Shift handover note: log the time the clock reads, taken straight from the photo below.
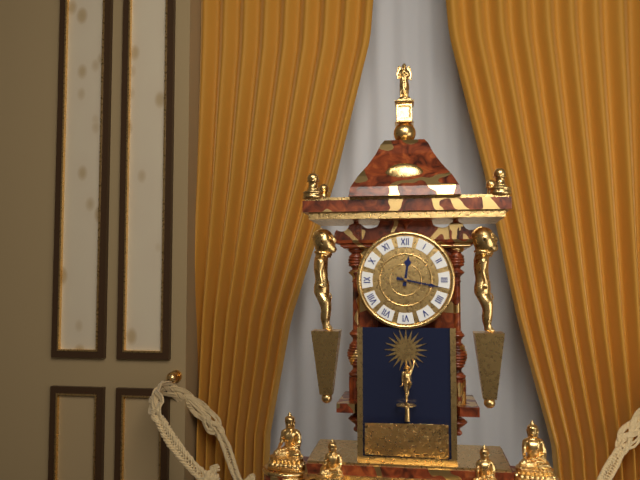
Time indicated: 12:17
